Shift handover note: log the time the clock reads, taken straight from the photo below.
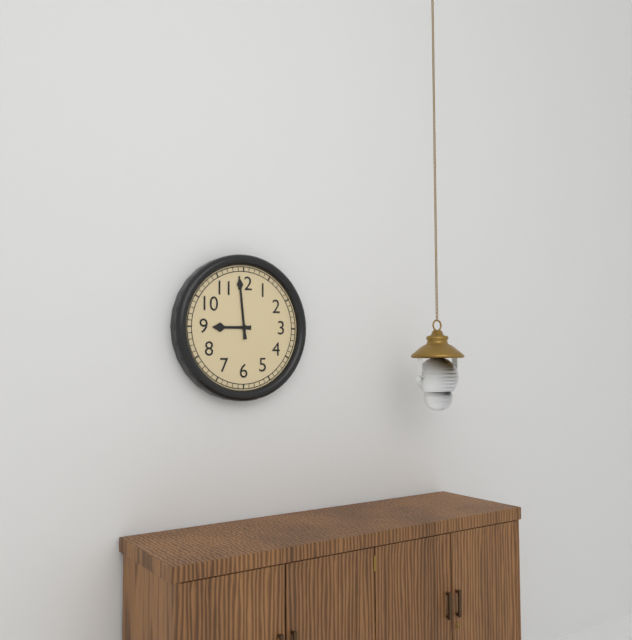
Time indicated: 8:59
